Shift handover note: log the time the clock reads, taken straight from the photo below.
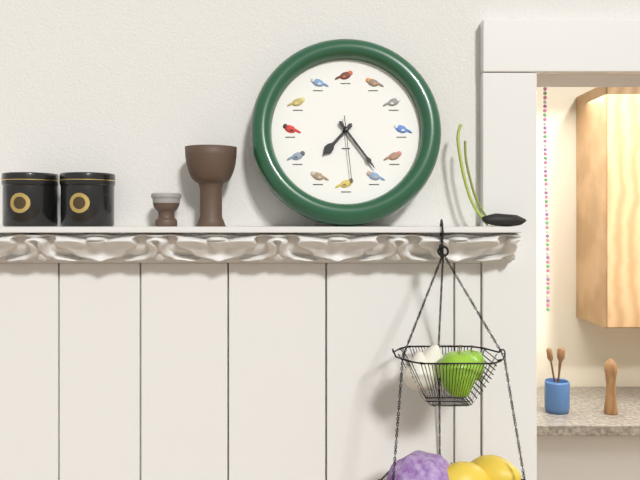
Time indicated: 7:24:29
